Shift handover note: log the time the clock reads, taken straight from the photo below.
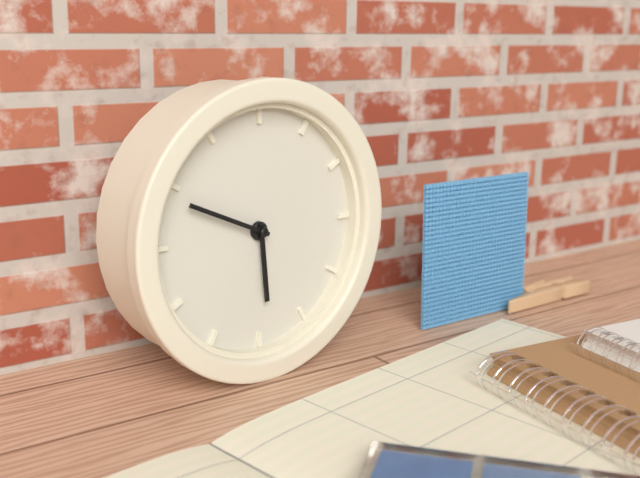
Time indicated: 5:49
